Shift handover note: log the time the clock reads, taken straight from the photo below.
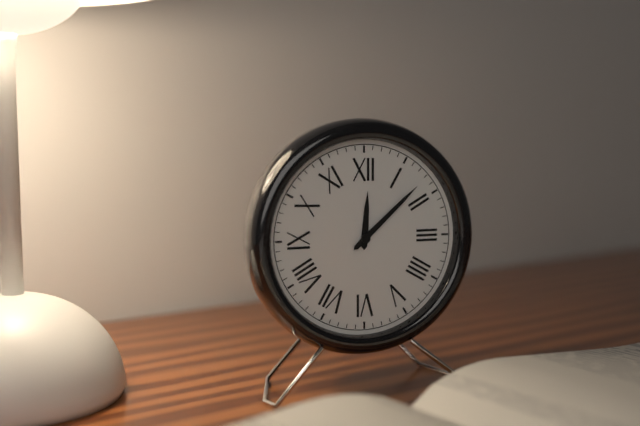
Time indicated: 12:08
